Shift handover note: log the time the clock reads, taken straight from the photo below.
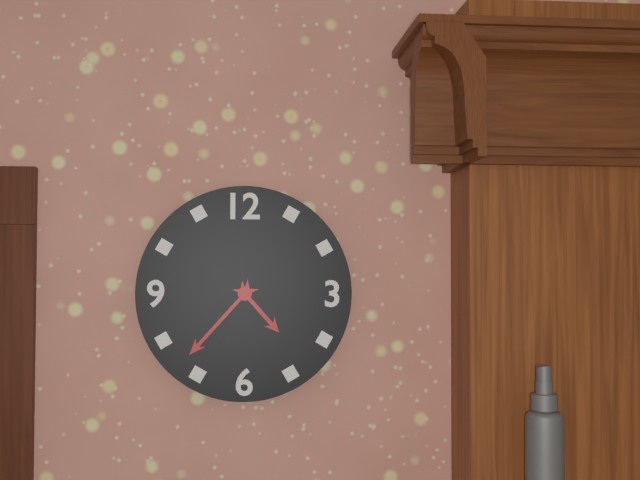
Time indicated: 4:37
